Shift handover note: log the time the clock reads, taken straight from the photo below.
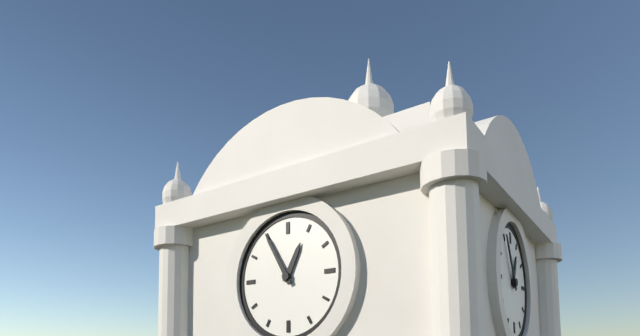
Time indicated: 12:55
